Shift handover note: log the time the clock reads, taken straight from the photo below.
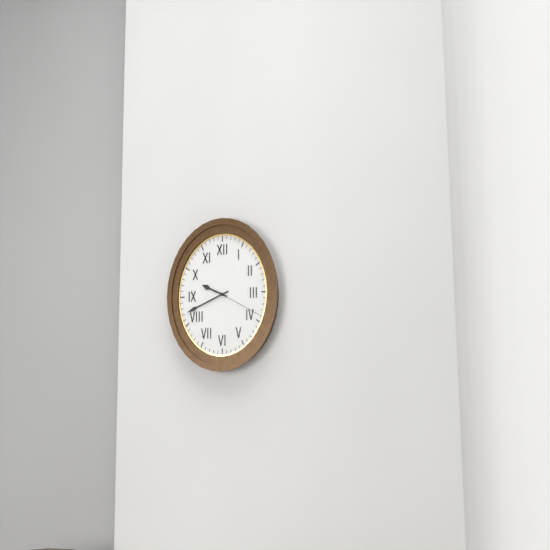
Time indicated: 9:42:19
